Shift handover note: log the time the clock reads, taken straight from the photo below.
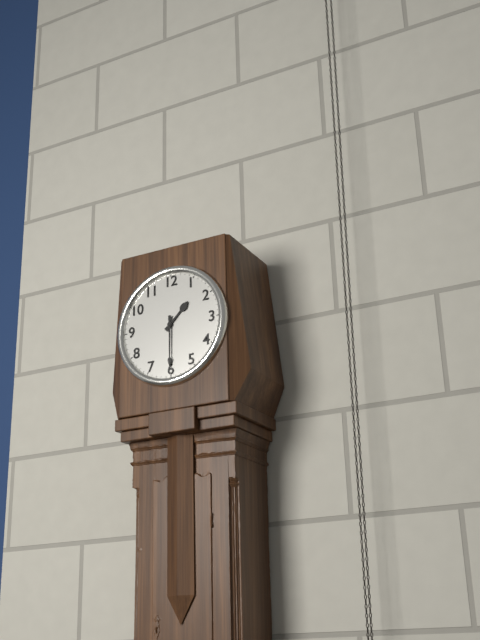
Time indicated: 1:30
